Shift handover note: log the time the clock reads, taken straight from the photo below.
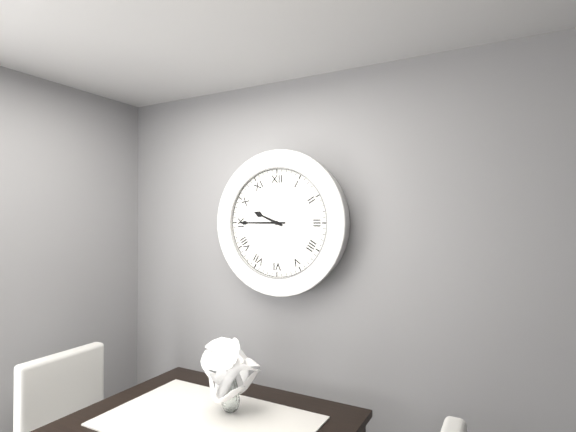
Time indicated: 9:45
